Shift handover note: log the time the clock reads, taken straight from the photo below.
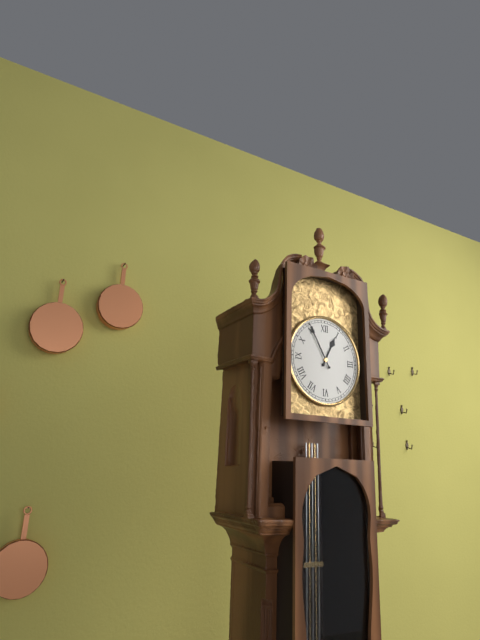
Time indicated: 12:55
